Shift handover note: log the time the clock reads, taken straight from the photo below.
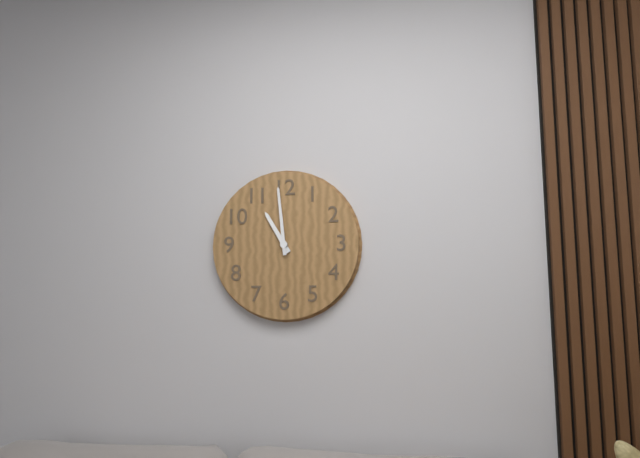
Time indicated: 10:59
